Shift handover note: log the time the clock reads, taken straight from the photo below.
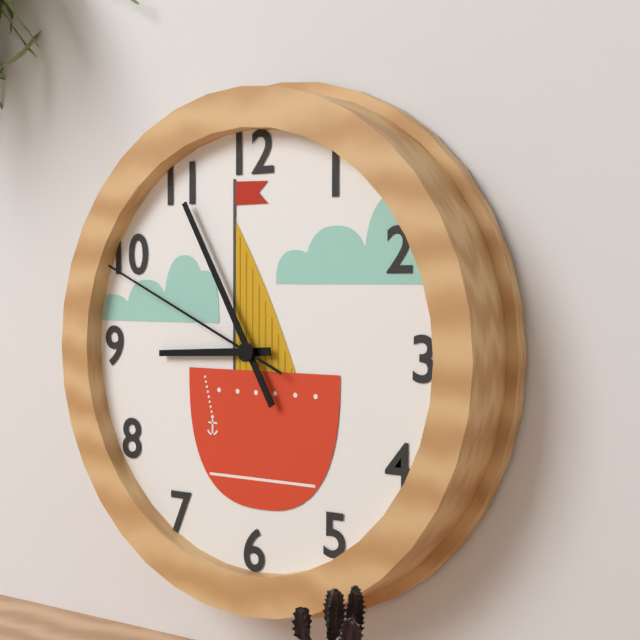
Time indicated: 8:55:49
